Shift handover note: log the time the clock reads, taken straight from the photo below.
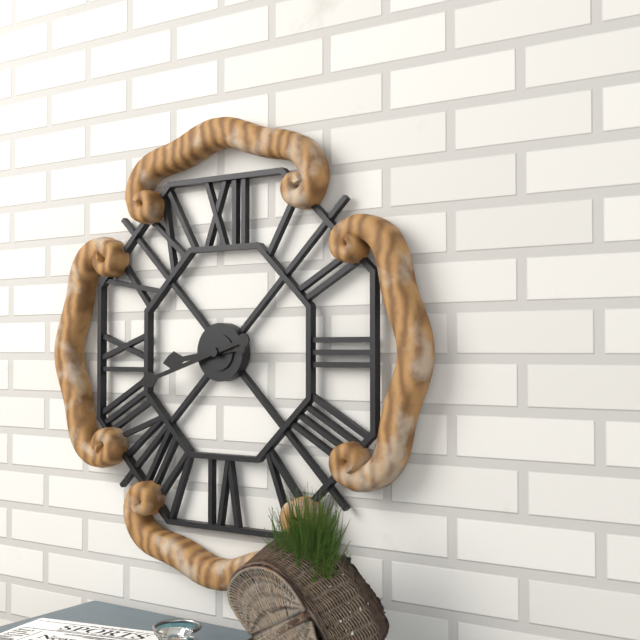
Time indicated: 8:42
